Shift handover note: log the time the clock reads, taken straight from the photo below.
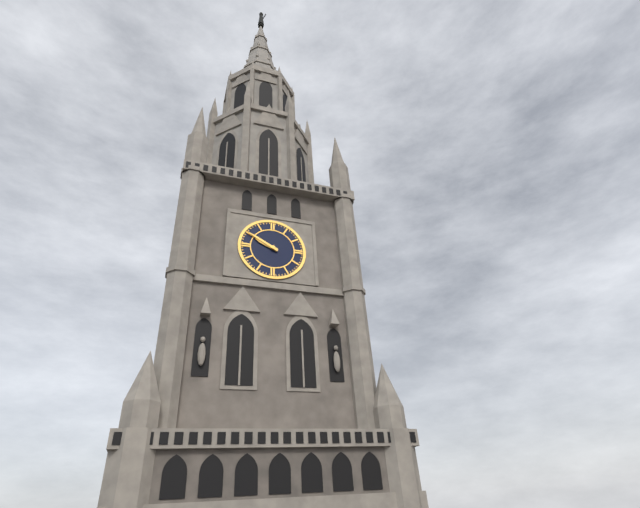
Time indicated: 9:50
